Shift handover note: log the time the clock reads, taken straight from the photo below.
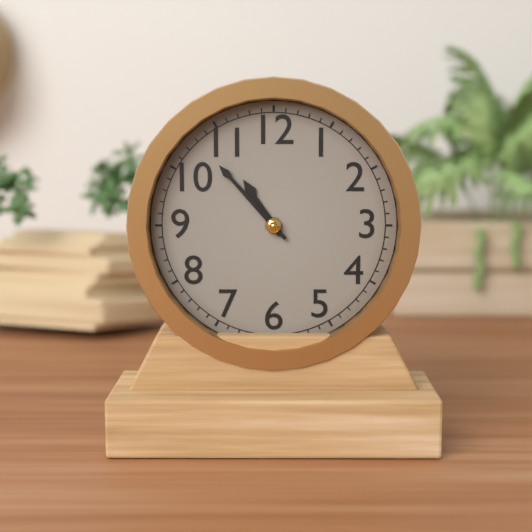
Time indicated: 10:53
